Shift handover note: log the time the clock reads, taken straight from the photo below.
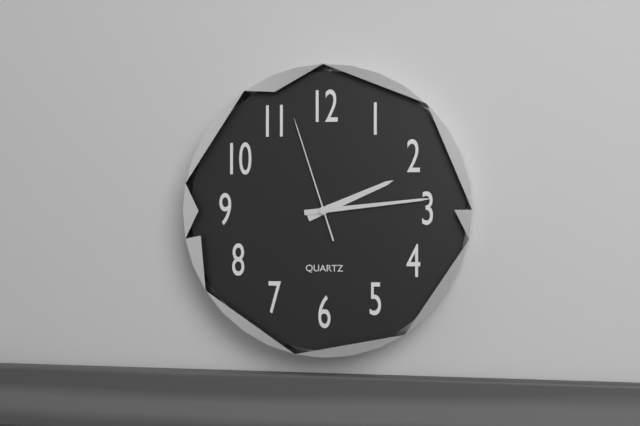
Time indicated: 2:14:57
